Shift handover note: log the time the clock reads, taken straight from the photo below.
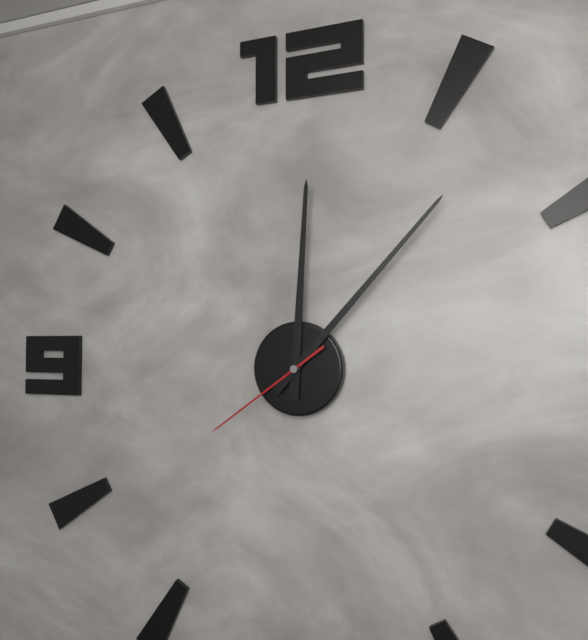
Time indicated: 12:07:39
